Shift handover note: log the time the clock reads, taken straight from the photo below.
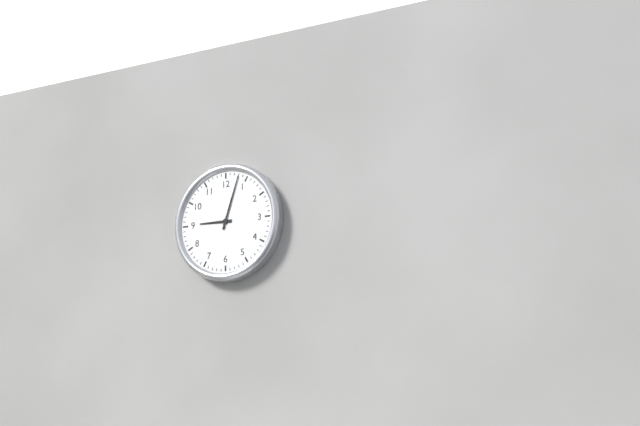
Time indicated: 9:03
